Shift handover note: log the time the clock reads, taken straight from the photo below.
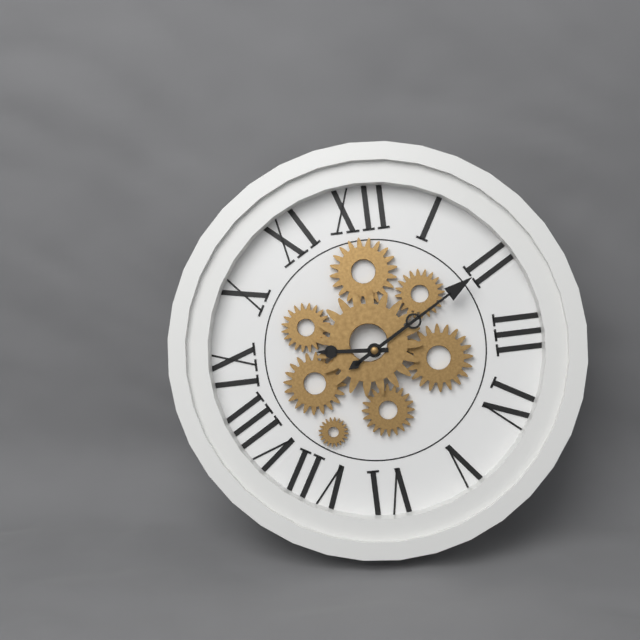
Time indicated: 9:10
